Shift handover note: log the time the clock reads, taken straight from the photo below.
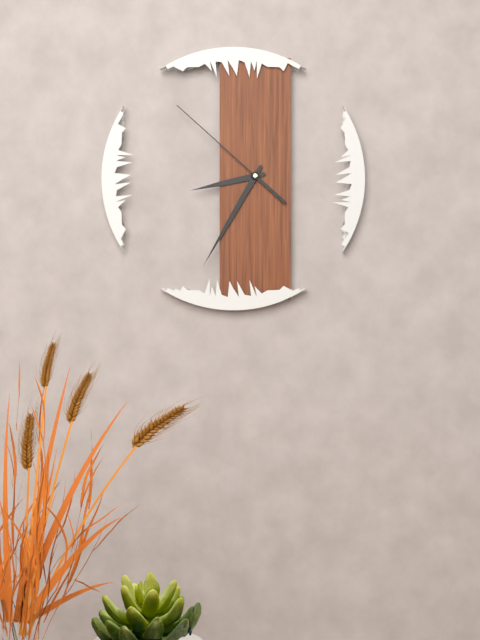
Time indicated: 8:35:52
